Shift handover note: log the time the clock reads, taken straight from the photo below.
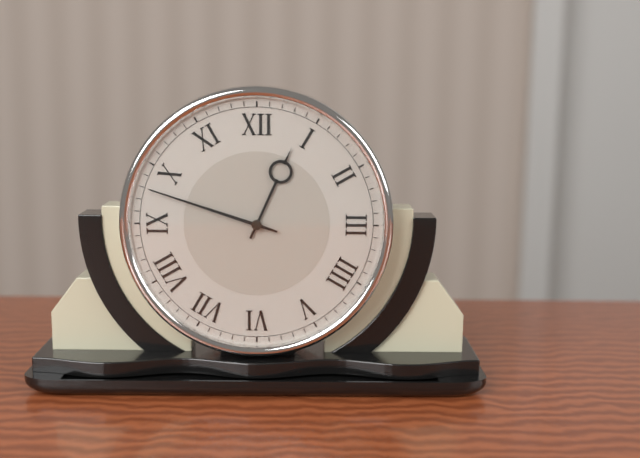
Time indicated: 12:48
